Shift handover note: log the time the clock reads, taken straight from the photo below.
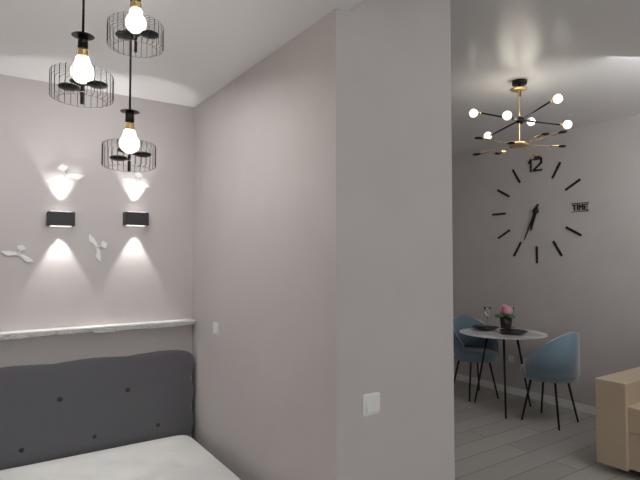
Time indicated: 6:34
